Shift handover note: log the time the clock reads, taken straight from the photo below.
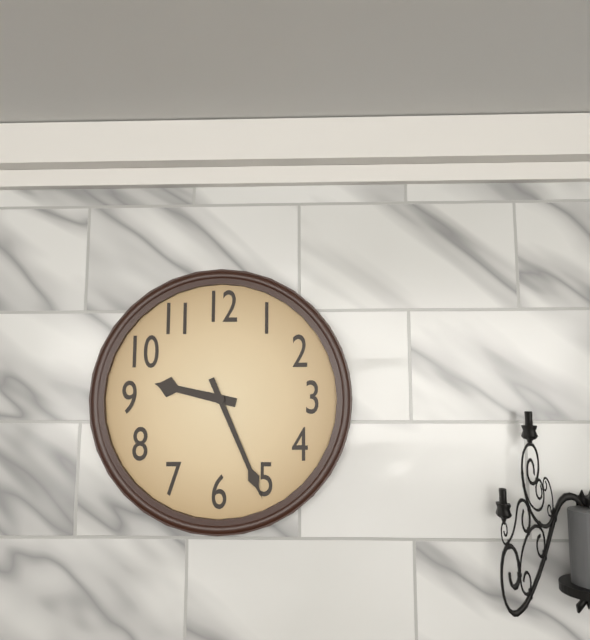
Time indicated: 9:26
